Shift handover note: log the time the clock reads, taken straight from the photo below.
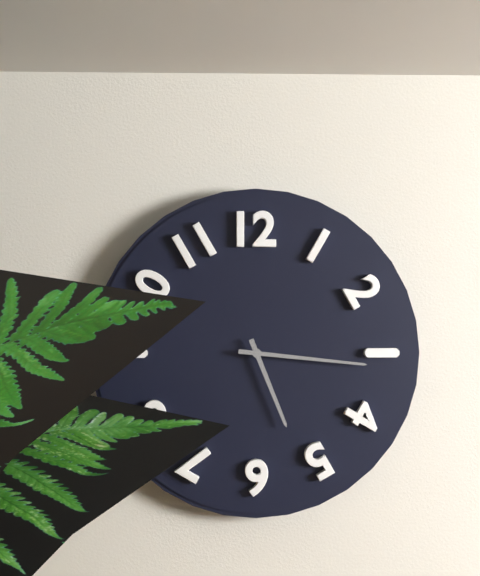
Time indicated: 5:16
